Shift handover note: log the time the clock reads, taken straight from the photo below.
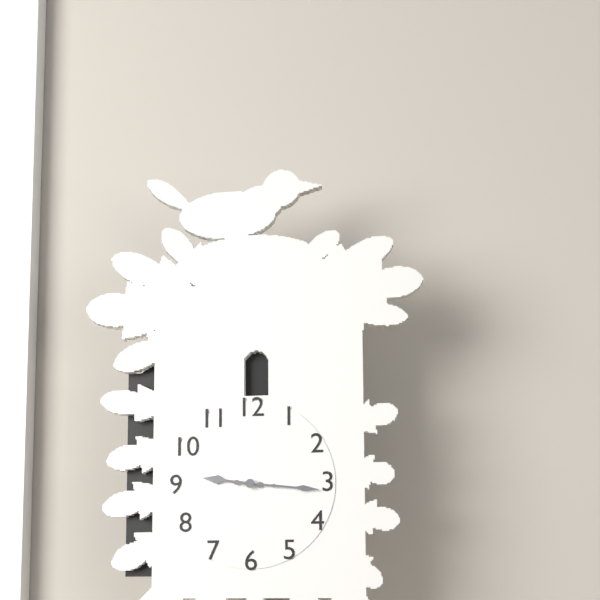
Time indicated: 9:16
